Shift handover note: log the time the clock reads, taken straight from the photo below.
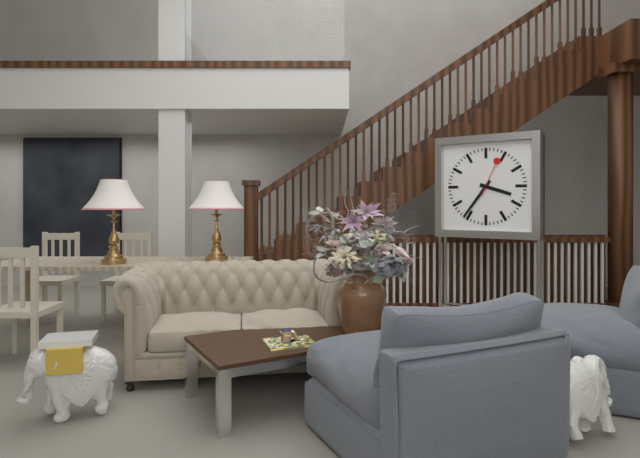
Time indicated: 3:36
